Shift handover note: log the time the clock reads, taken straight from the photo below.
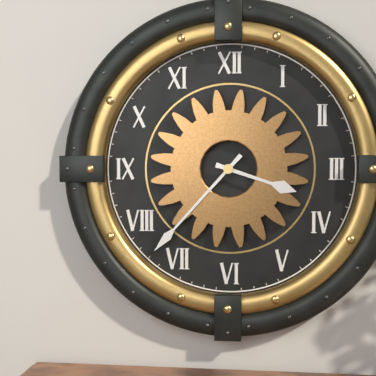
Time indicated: 3:37
